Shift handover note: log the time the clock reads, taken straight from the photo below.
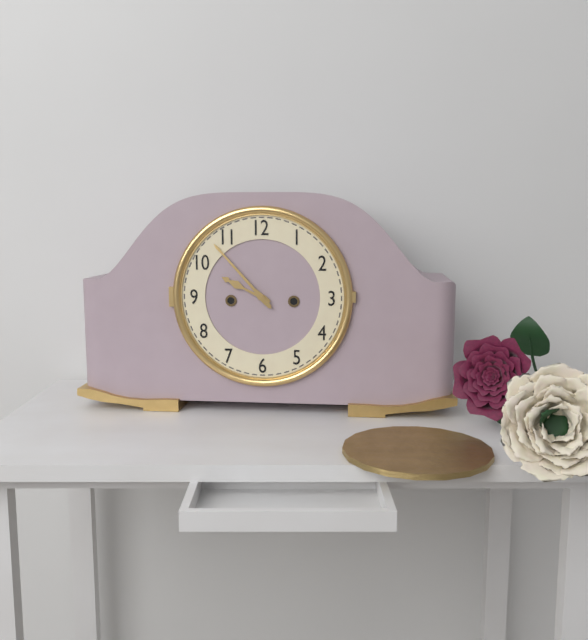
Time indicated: 9:53
